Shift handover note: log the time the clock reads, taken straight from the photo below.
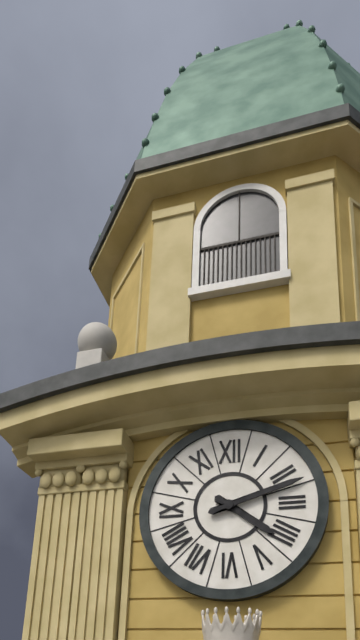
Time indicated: 4:12
